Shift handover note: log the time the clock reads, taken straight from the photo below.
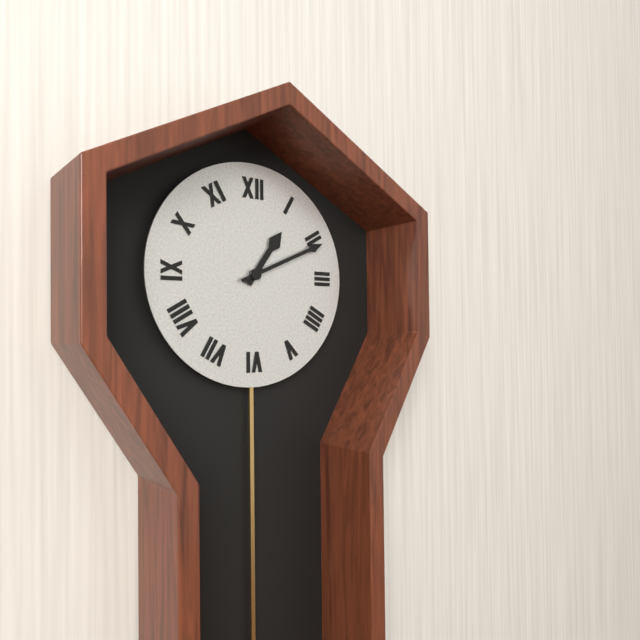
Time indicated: 1:11
